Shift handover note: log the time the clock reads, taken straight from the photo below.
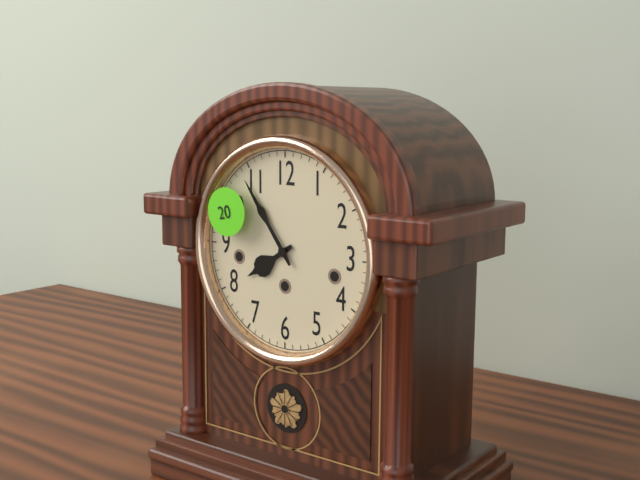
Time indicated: 7:54
